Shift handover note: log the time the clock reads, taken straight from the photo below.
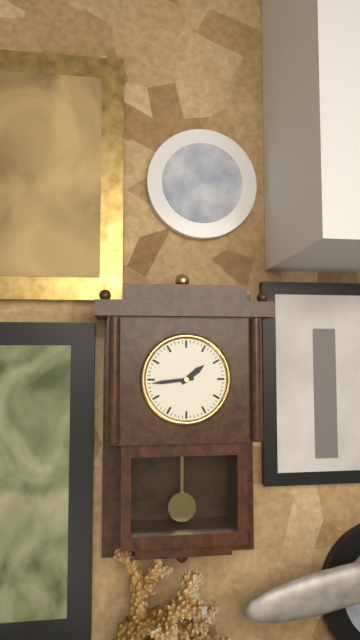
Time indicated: 1:44
